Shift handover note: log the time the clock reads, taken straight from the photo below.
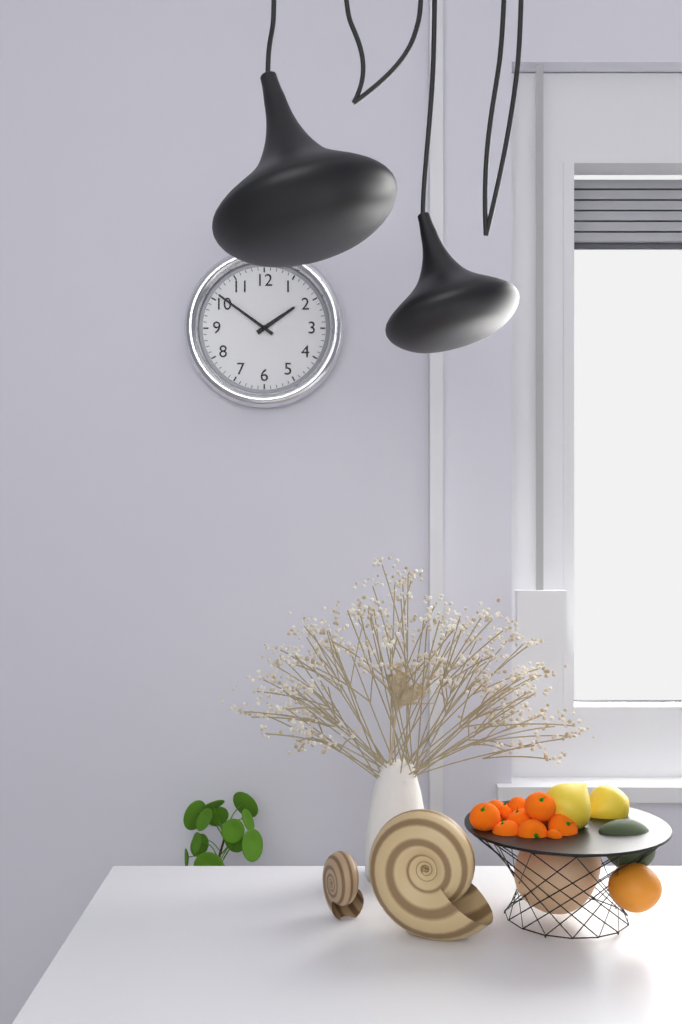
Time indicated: 1:51
